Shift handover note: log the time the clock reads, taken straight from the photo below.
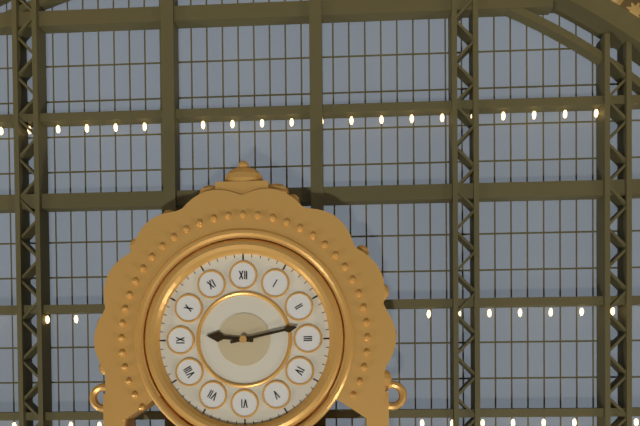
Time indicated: 9:13
